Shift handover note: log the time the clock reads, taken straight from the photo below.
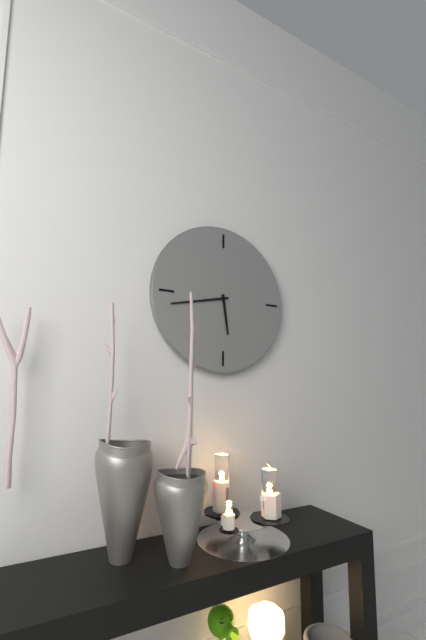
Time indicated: 5:43
